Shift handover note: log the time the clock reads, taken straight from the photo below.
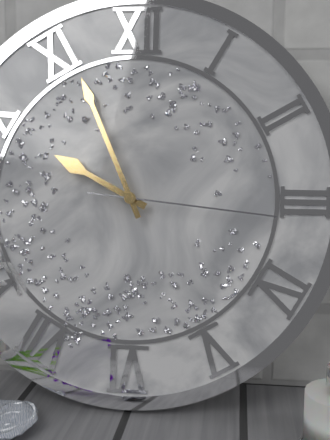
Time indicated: 9:56:16
